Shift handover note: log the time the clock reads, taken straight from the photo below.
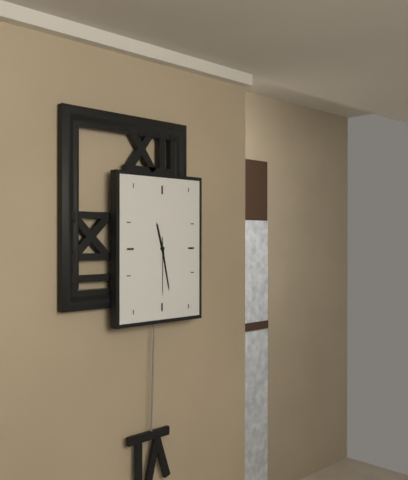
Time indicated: 11:28:30
